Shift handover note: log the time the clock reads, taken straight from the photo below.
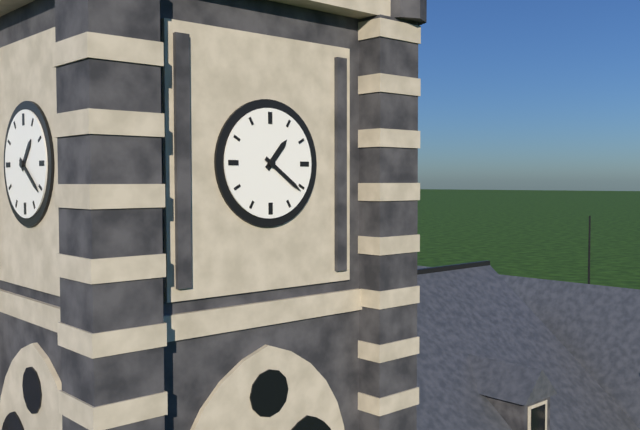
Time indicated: 1:21
